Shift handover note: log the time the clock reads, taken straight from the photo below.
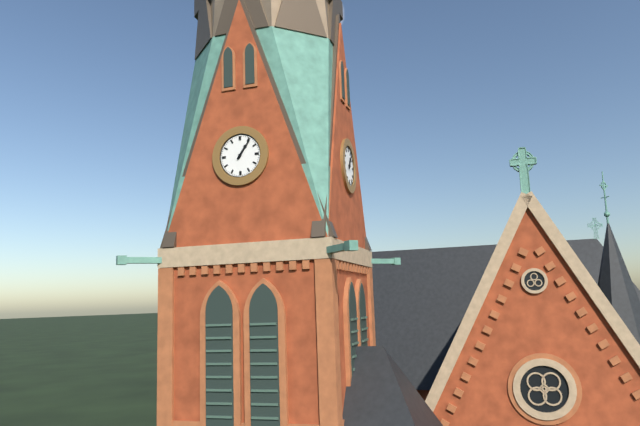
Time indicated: 1:06
